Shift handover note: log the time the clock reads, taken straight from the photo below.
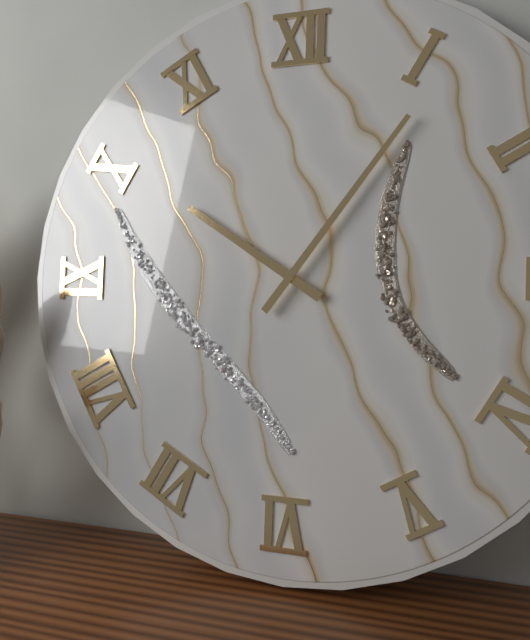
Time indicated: 10:06
